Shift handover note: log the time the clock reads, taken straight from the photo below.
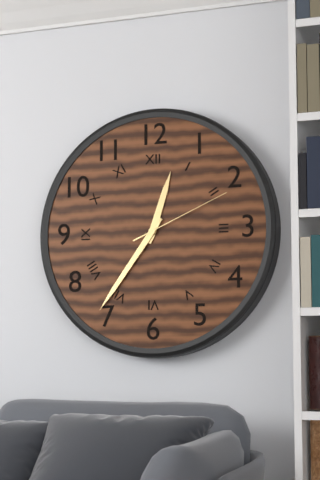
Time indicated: 12:36:11
